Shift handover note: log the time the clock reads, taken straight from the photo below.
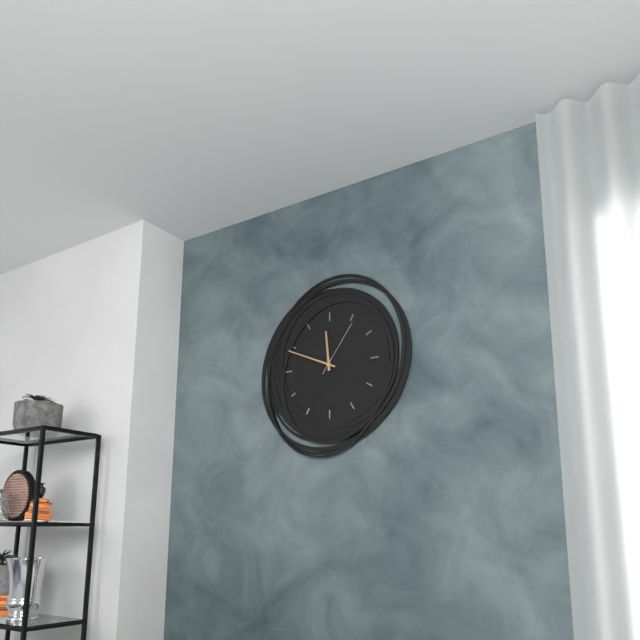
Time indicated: 11:49:06
